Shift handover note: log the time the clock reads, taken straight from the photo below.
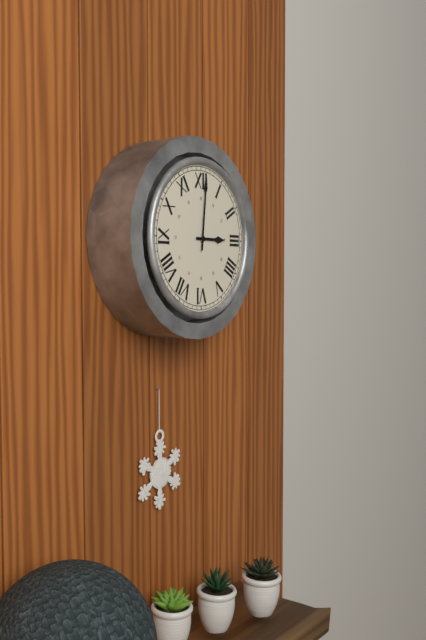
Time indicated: 3:01
